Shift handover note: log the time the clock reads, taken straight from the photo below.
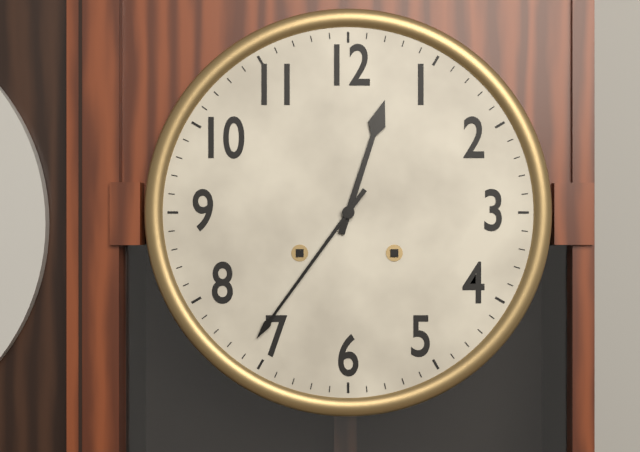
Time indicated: 12:36
